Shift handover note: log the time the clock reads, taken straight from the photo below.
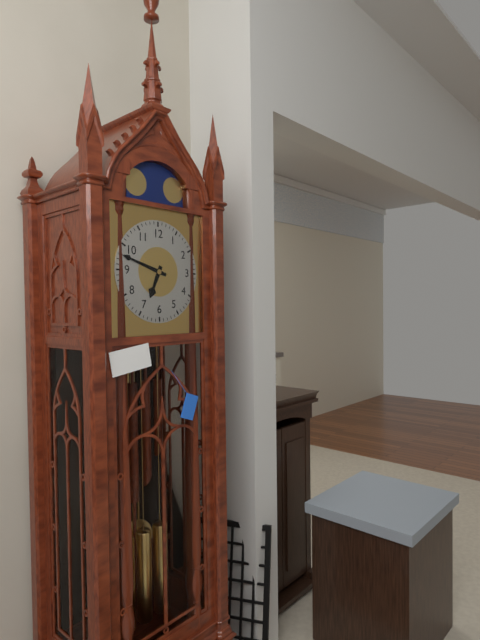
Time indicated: 6:48
